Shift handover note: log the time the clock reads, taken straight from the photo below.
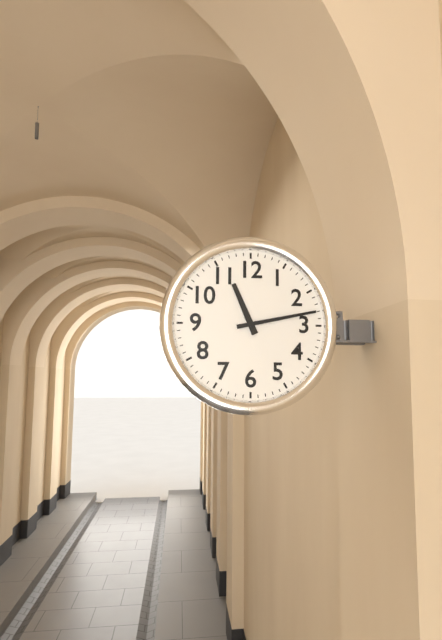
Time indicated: 11:13
